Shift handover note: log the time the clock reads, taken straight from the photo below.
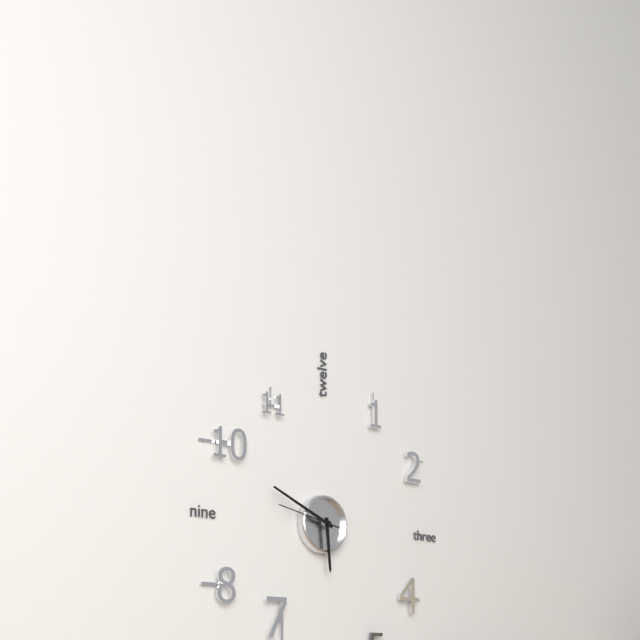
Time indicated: 5:49:47
